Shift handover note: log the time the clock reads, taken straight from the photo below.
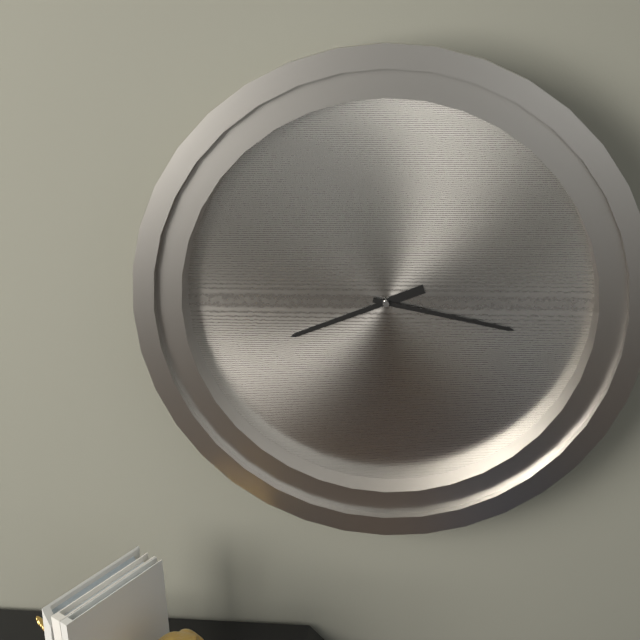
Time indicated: 8:17
